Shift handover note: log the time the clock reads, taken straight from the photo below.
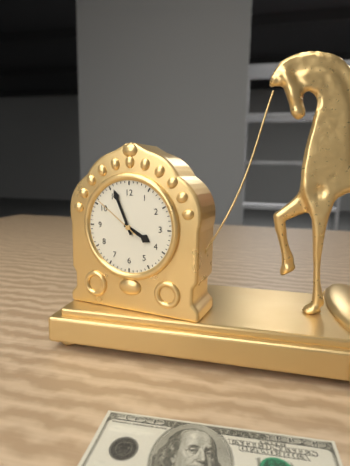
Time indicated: 3:56:51
